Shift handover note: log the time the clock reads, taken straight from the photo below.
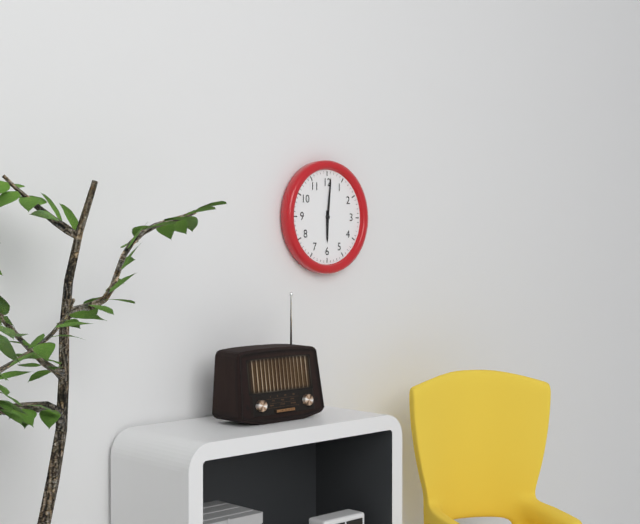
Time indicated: 6:01
